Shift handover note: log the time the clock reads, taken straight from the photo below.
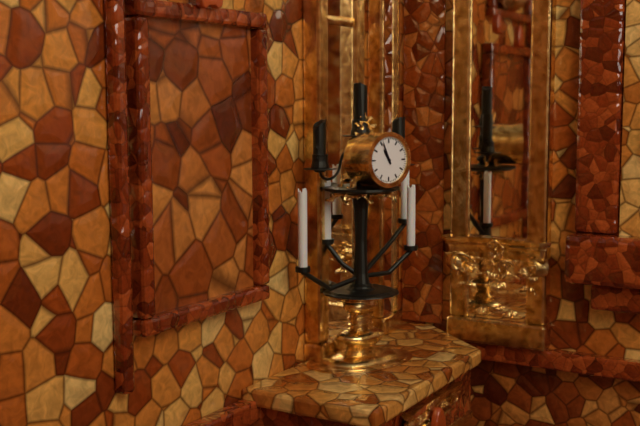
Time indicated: 10:56
